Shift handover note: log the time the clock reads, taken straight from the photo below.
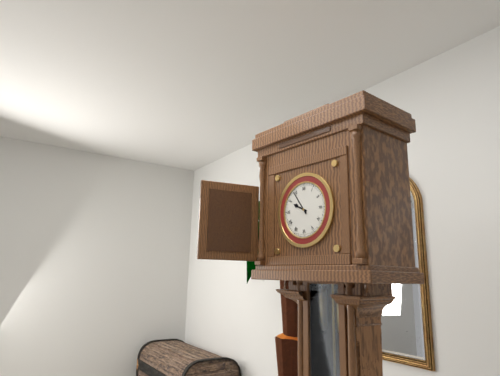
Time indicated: 9:54
